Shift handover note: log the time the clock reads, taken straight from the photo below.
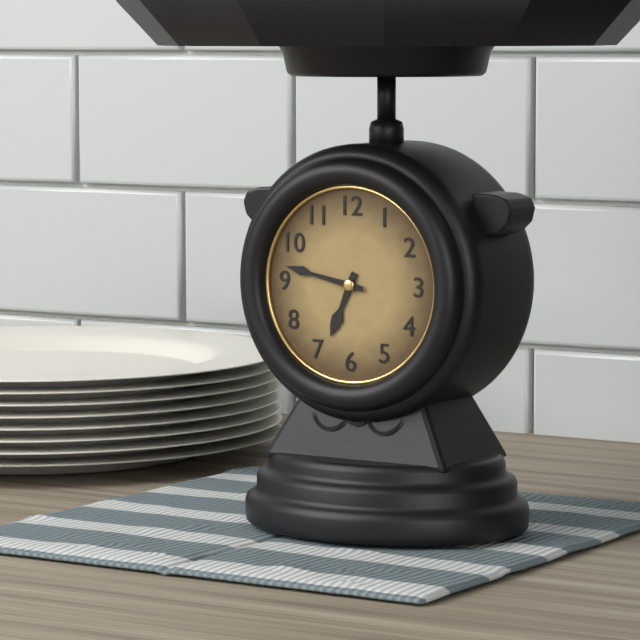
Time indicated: 6:47
